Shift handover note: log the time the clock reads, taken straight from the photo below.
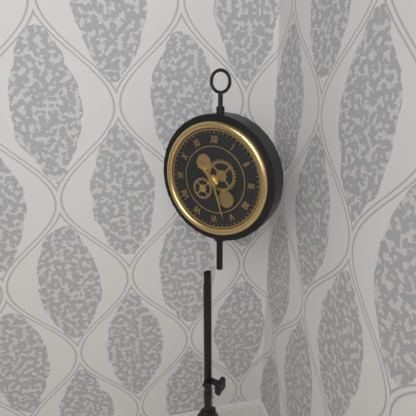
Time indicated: 10:27
